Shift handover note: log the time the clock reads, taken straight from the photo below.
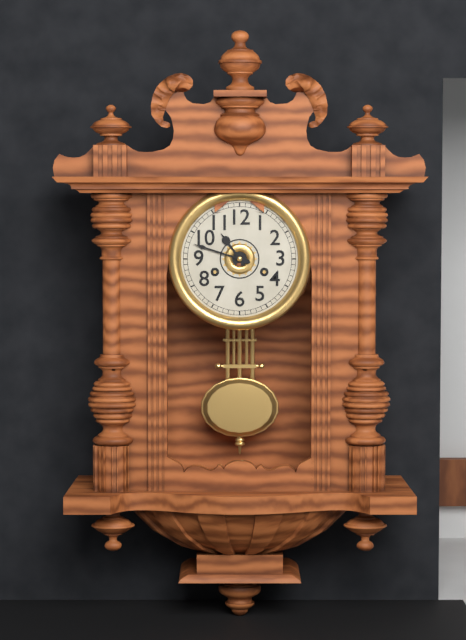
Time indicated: 10:48
